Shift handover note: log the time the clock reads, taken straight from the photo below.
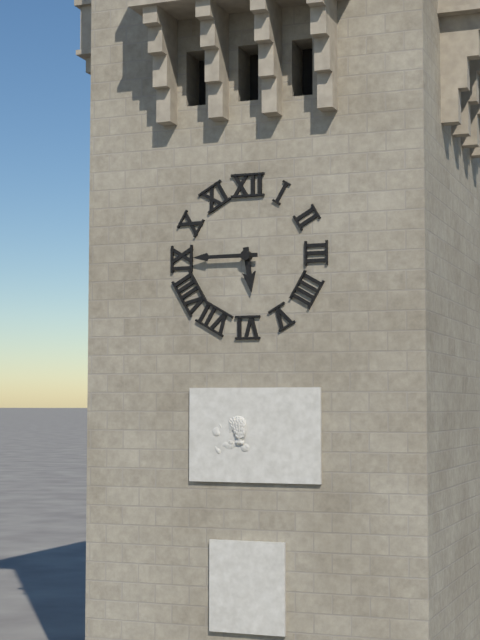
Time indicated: 5:45
